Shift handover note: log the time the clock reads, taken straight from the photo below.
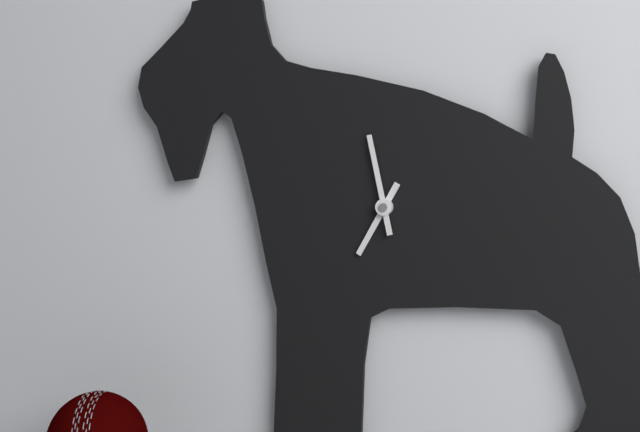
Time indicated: 6:58
